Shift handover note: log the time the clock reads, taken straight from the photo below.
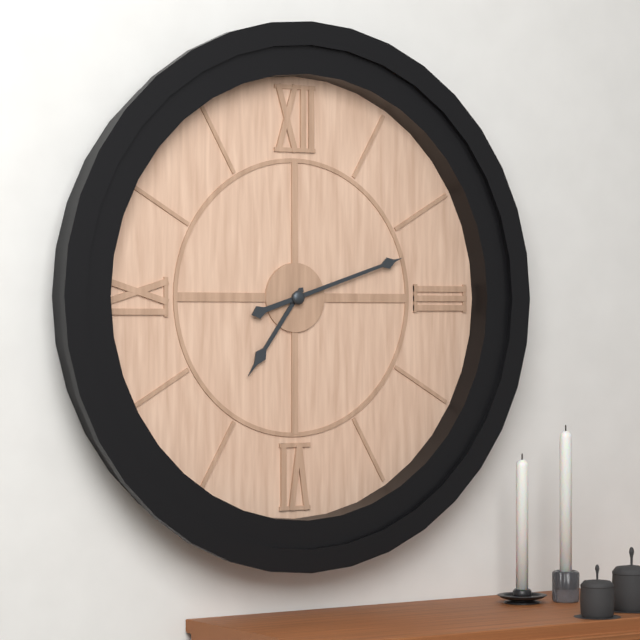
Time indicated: 7:12
